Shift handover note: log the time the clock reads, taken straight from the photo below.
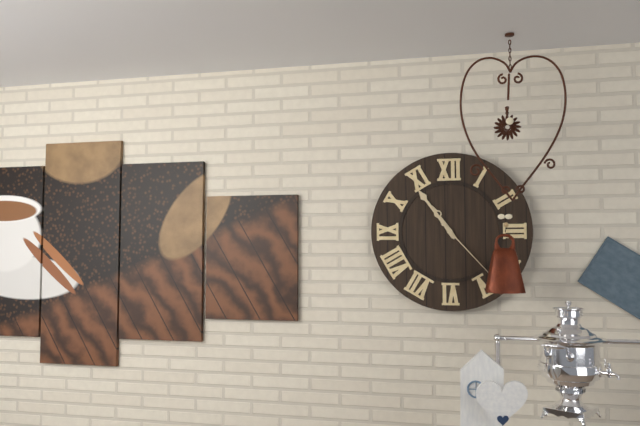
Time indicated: 10:54:23
